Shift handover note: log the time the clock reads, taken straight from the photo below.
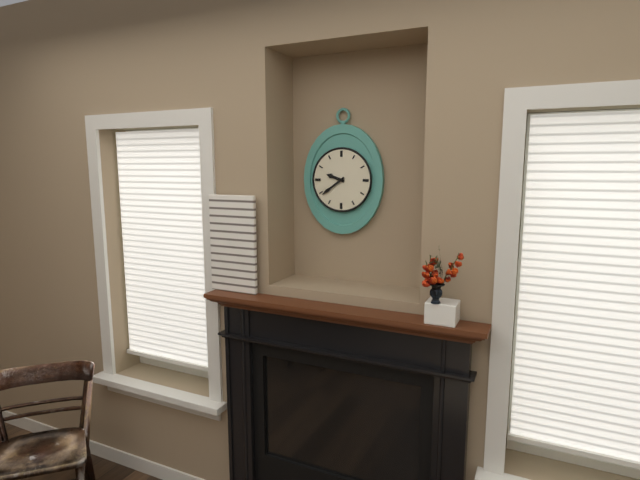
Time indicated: 9:39
